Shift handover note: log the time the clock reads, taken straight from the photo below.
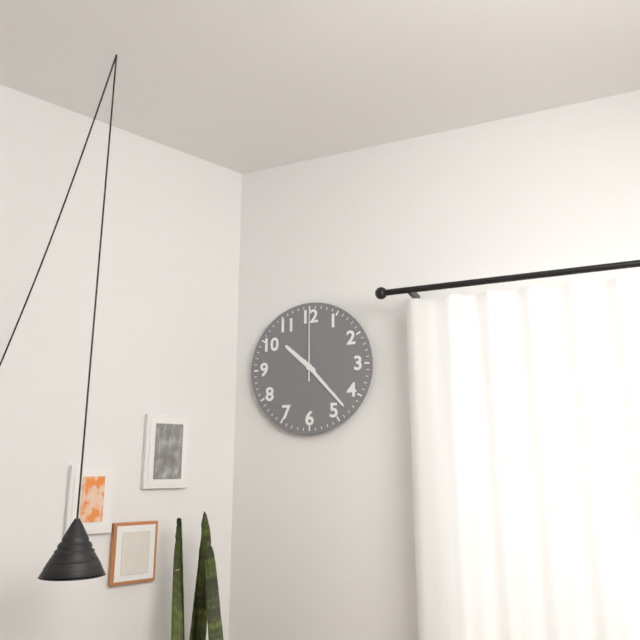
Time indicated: 10:23:00
